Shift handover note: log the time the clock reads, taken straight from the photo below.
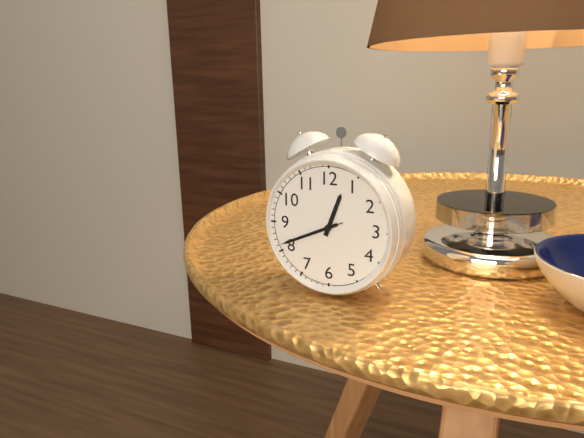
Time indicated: 12:41:41
